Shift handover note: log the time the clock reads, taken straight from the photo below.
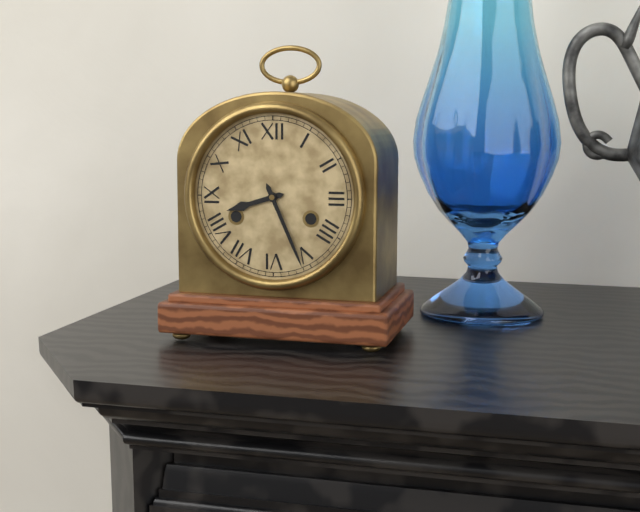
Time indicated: 8:26
